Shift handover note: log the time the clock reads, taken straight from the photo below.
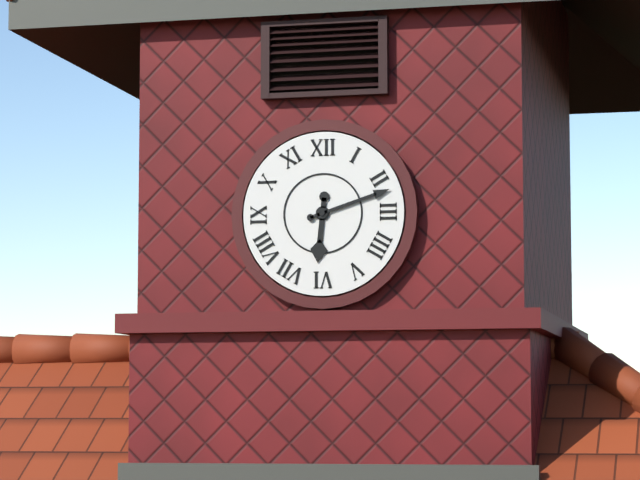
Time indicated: 6:12
